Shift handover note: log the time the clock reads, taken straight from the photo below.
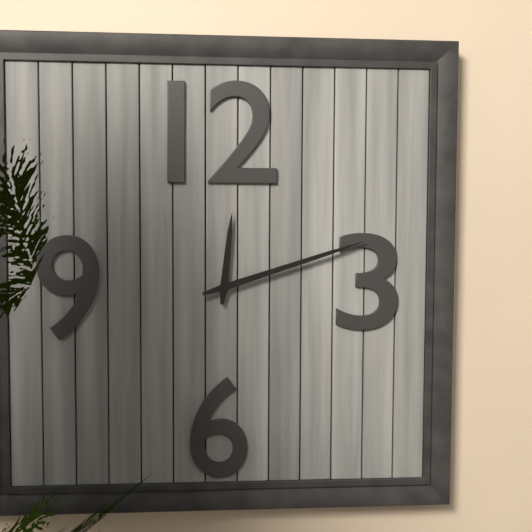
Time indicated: 12:12
